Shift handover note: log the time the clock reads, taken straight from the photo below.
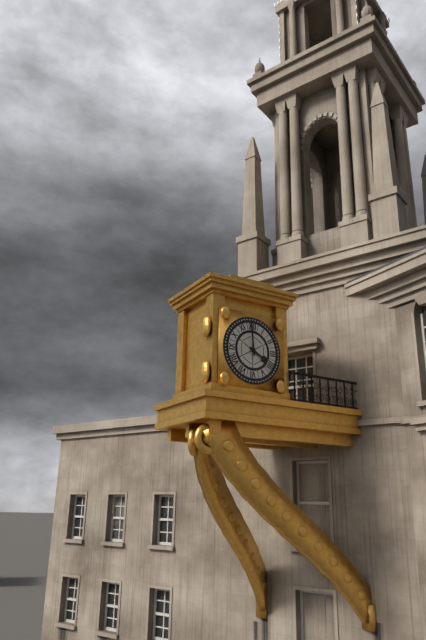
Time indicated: 3:59
